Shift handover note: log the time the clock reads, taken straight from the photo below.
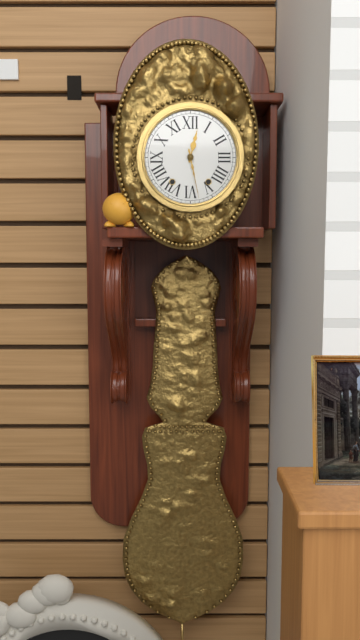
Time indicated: 12:28
